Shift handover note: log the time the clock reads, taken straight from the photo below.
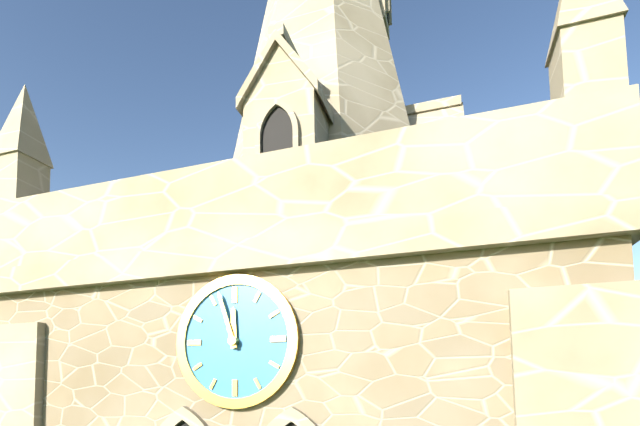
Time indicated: 11:57
